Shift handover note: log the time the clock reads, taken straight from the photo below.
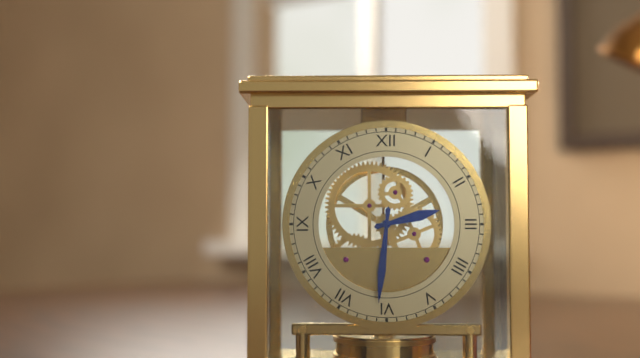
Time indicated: 2:31
